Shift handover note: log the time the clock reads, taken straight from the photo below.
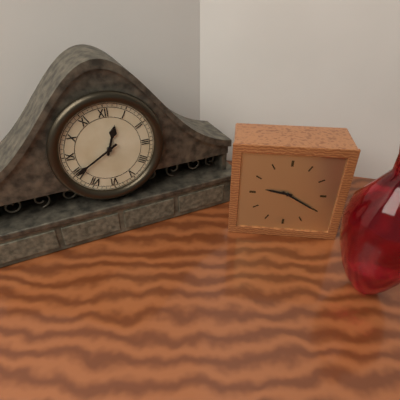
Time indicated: 12:40
